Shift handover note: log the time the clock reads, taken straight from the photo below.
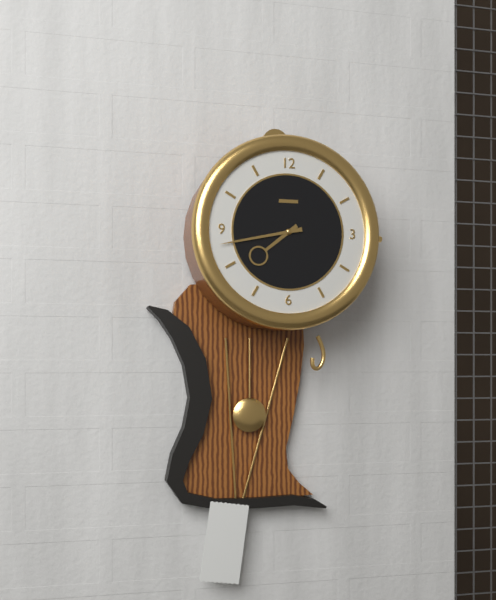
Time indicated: 7:43
